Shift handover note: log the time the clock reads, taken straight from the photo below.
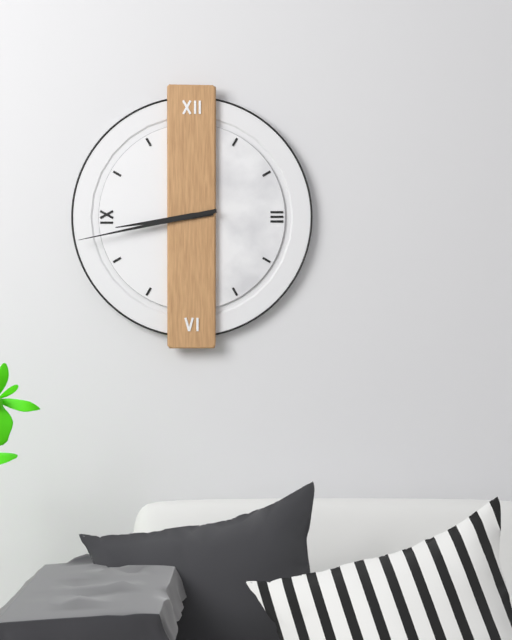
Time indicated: 8:43
